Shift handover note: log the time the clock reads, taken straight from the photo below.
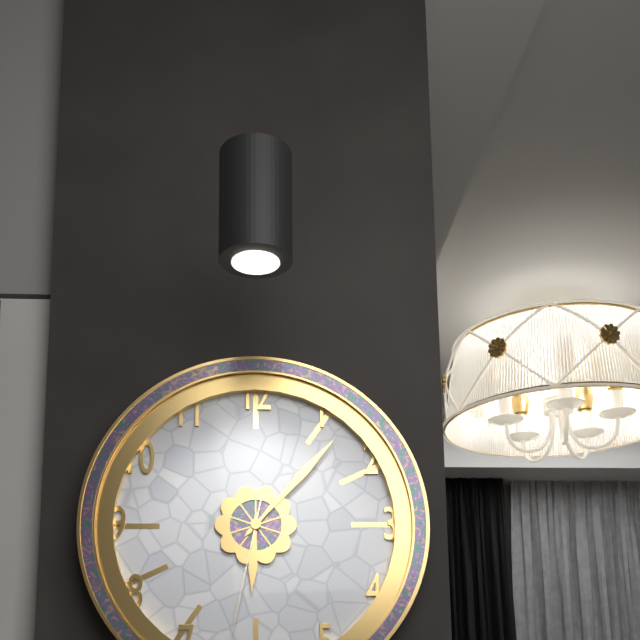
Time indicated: 6:07:32
